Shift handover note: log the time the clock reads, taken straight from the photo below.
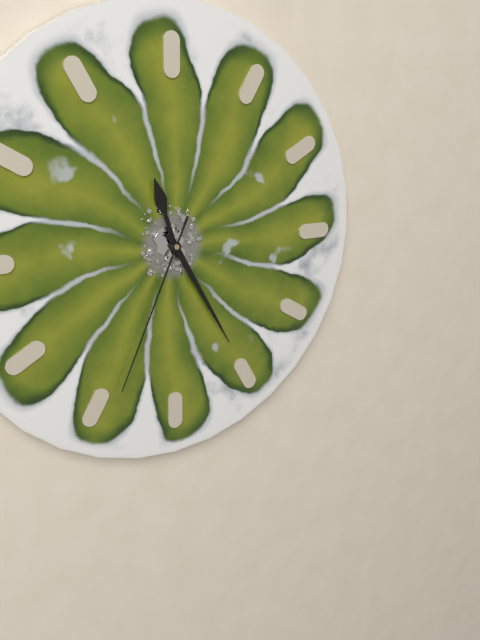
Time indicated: 11:25:34
